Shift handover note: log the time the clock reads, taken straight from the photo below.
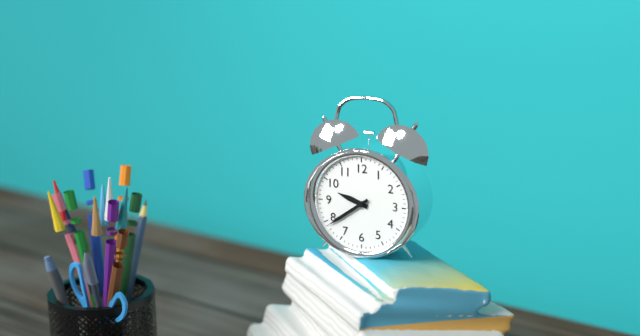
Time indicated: 9:39
